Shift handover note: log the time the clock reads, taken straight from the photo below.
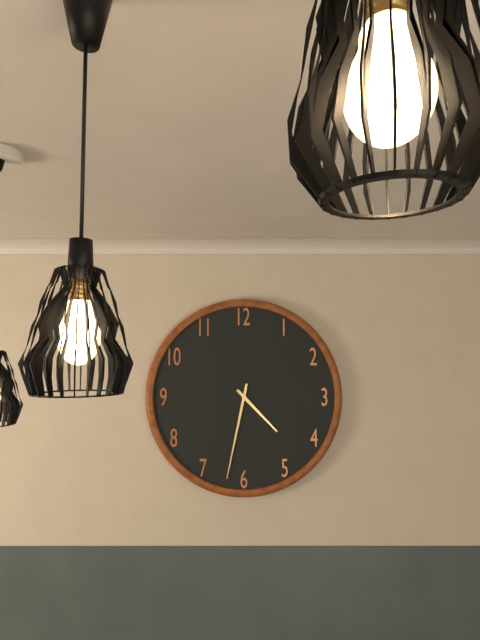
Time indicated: 4:32
